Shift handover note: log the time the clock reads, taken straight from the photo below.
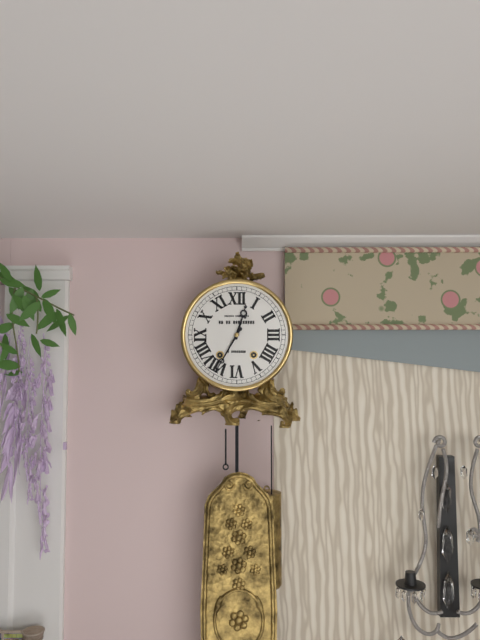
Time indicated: 12:35
